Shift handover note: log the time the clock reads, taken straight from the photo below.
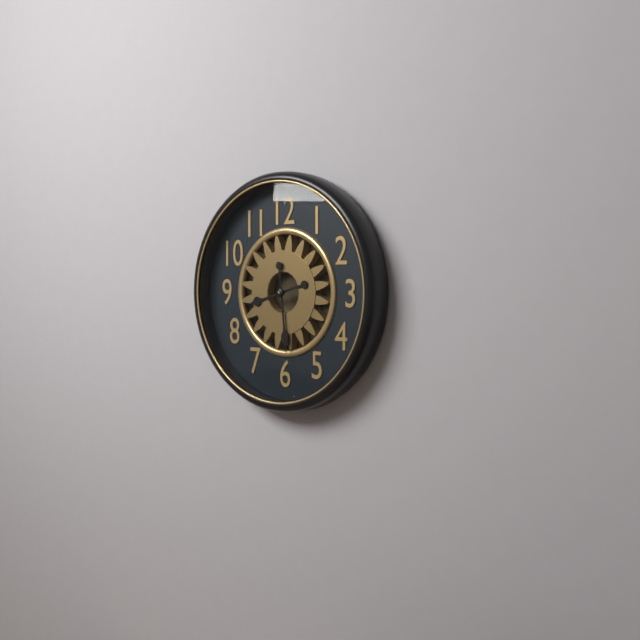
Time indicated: 8:29
